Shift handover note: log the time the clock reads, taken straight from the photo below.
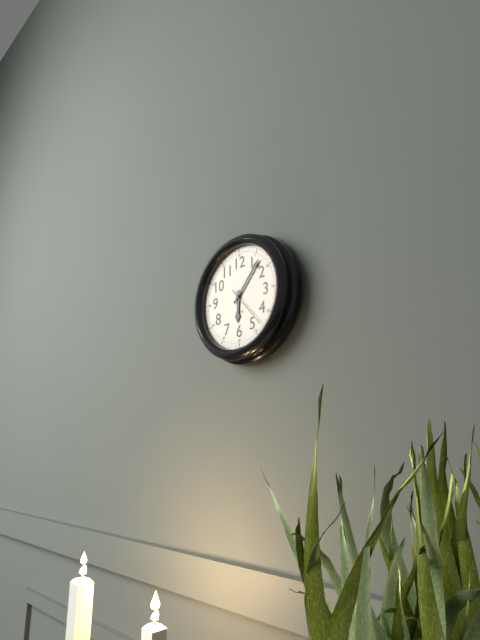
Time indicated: 6:07
